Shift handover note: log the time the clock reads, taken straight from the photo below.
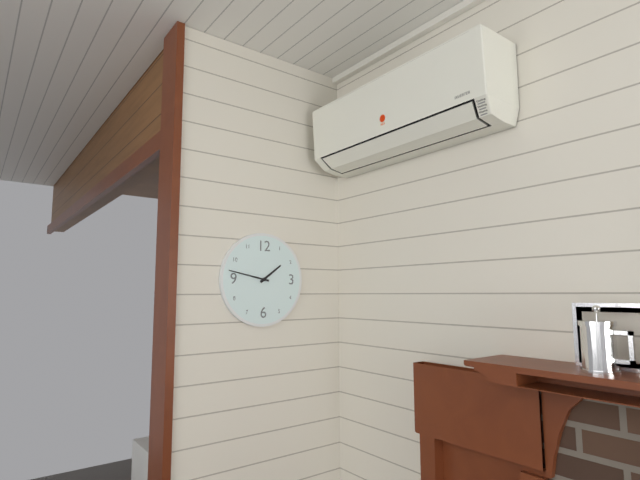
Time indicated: 1:47
